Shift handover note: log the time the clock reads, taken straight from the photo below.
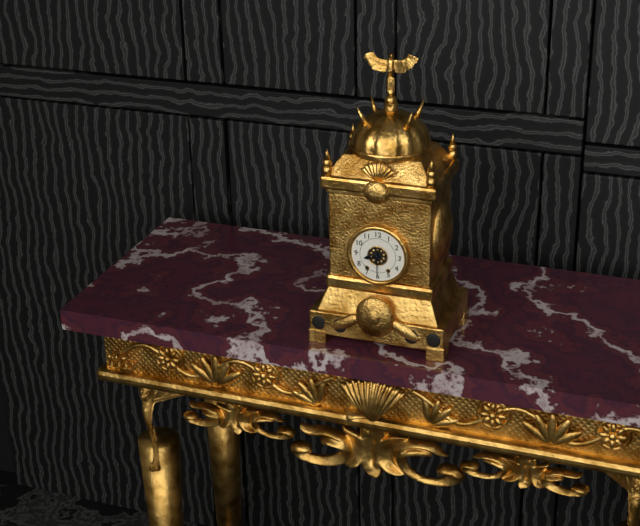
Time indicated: 8:30
